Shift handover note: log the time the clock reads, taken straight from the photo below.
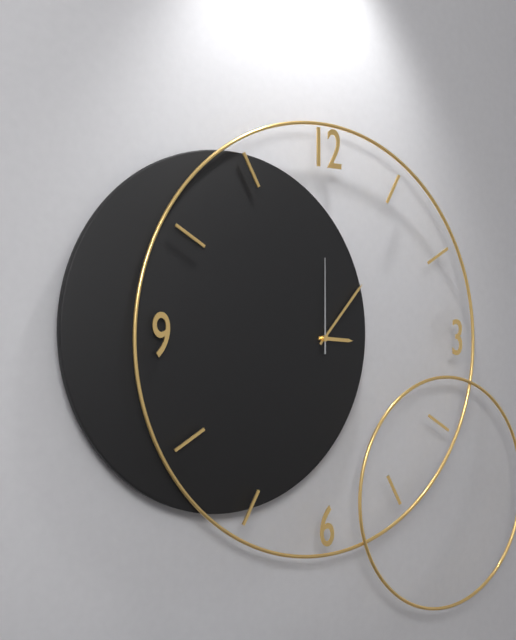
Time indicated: 3:07:00
